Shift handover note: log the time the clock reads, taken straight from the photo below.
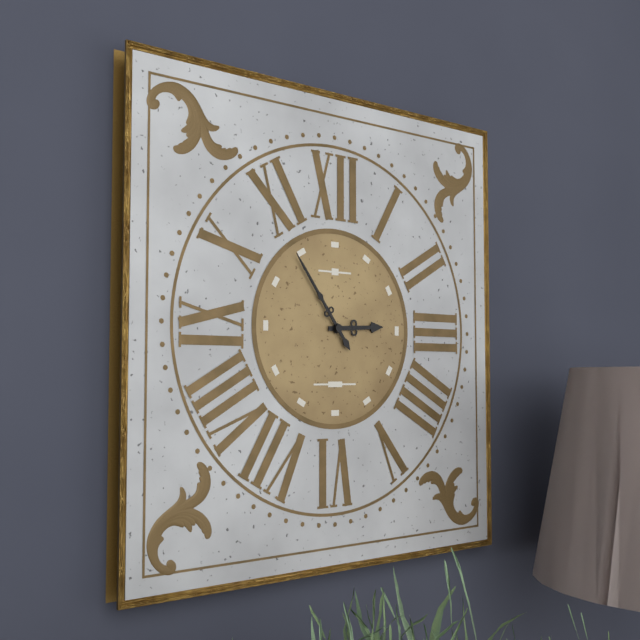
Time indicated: 2:54
